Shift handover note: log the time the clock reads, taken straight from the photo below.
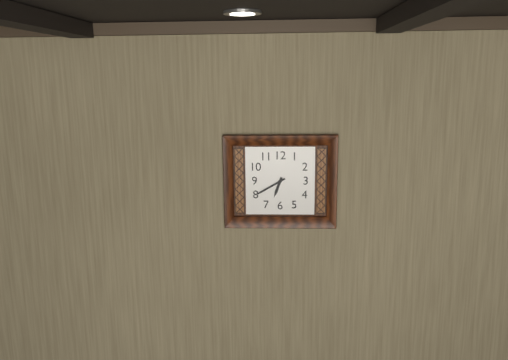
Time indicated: 6:40
